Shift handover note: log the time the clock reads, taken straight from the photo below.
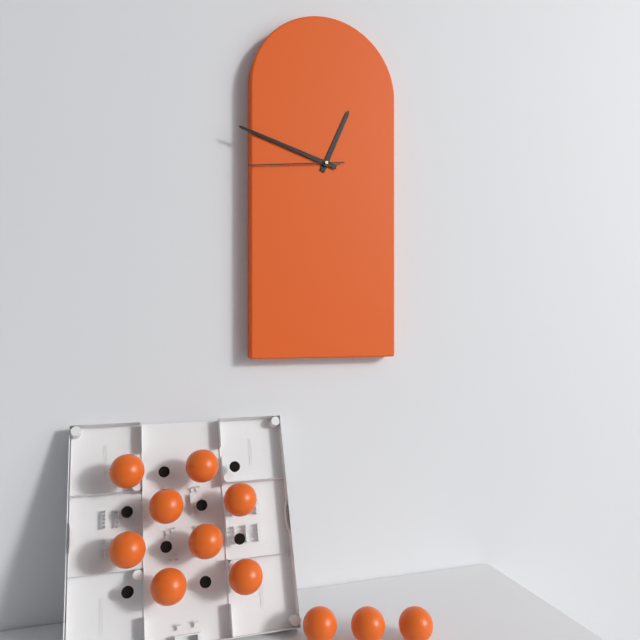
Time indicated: 12:48:44
